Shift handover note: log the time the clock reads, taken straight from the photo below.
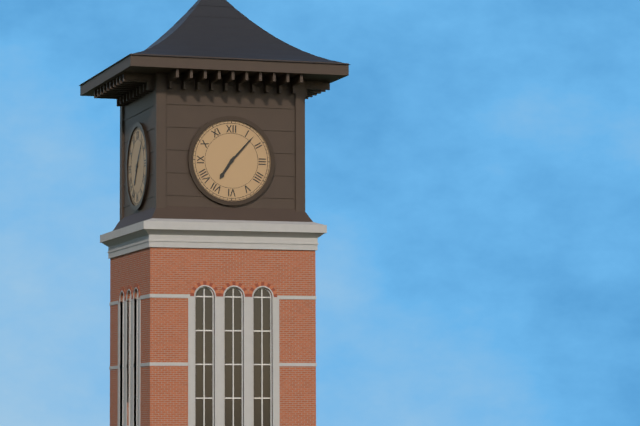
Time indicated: 7:07
